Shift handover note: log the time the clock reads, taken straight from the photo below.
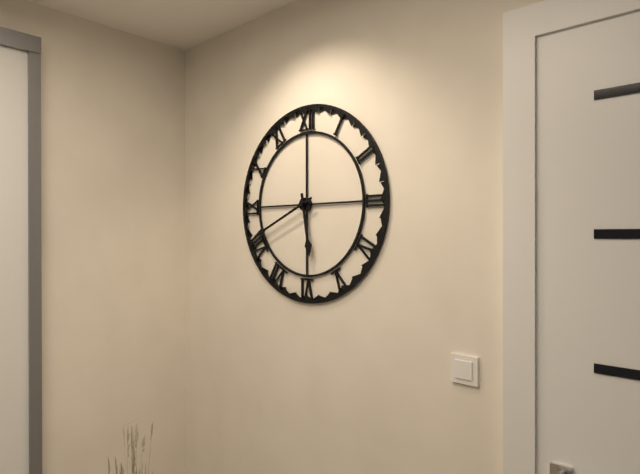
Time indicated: 5:41
